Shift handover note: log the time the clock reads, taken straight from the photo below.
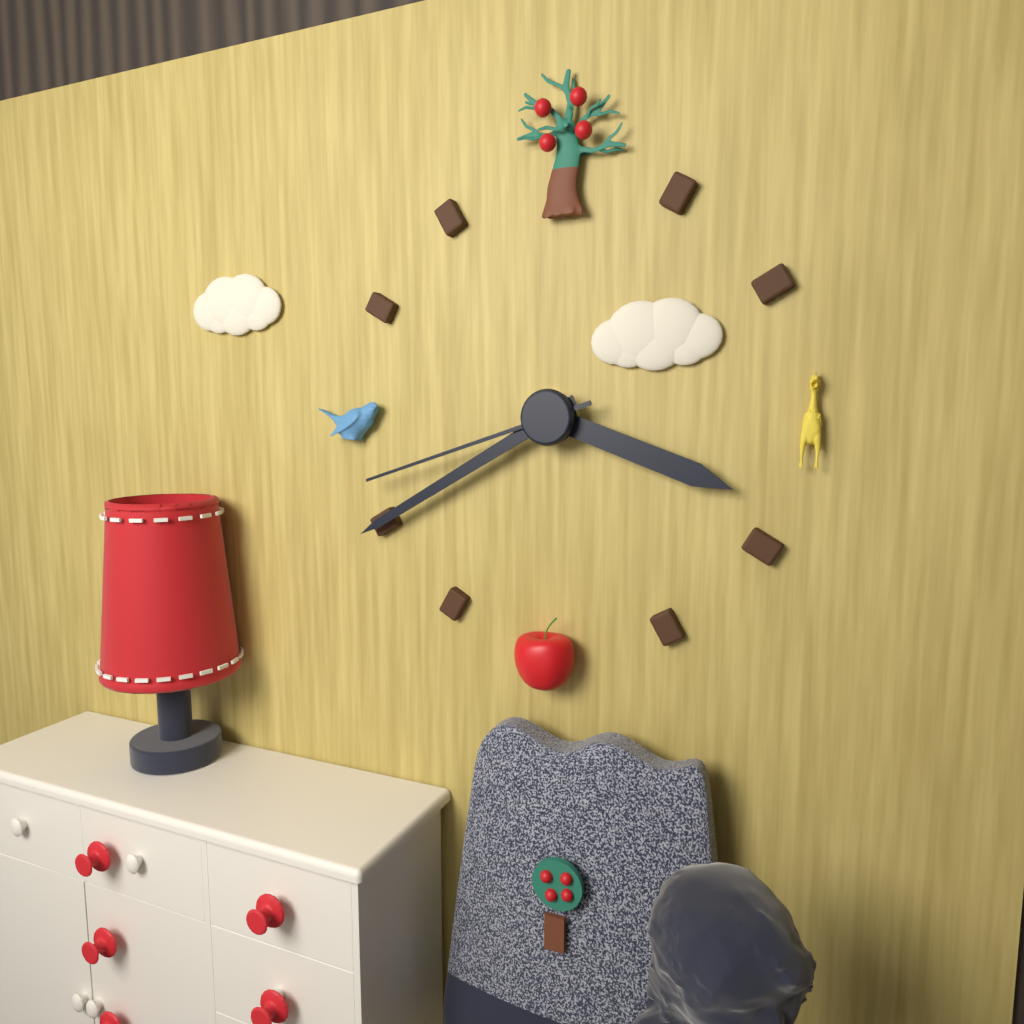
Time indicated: 3:40:42
